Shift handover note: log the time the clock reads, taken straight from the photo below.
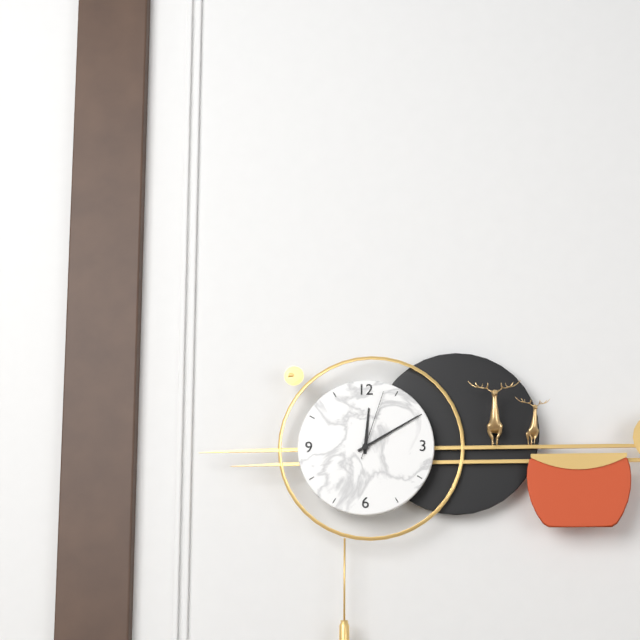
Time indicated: 12:10:03
